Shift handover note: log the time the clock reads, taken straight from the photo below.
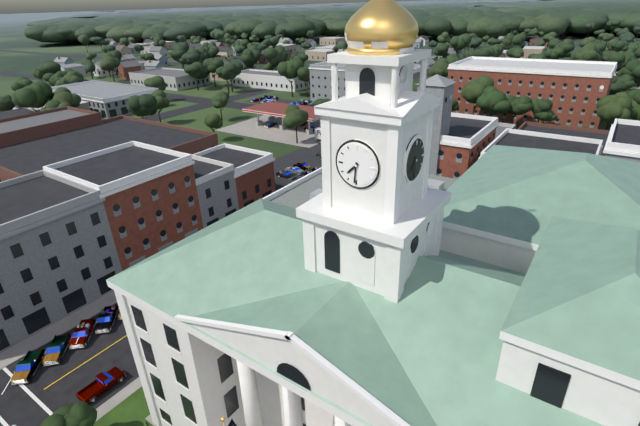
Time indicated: 7:31
